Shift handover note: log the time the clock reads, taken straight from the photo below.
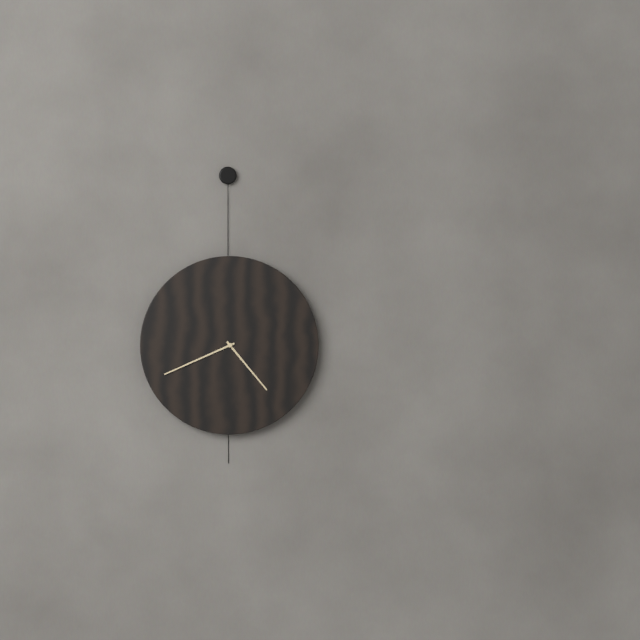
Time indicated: 4:41
